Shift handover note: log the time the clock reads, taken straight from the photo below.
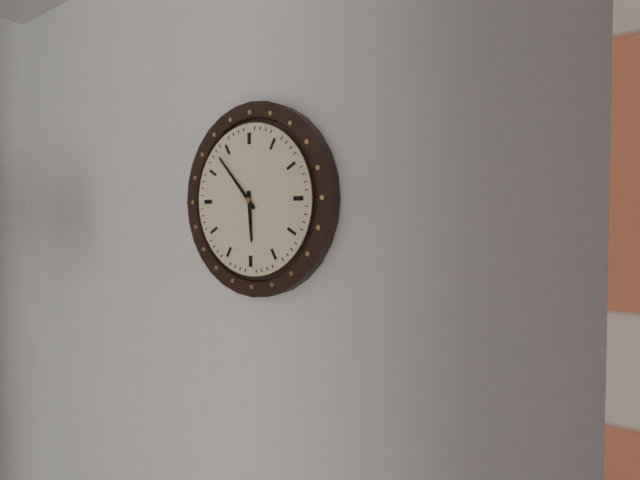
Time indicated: 5:53
